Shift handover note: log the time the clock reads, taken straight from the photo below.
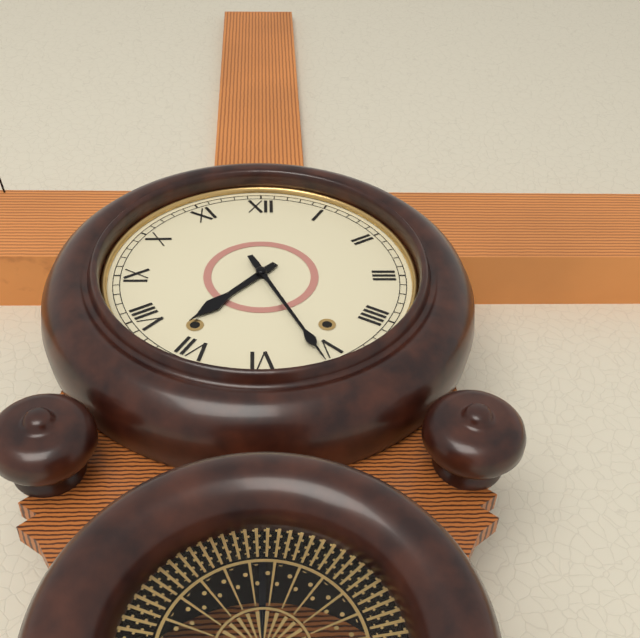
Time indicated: 7:26
